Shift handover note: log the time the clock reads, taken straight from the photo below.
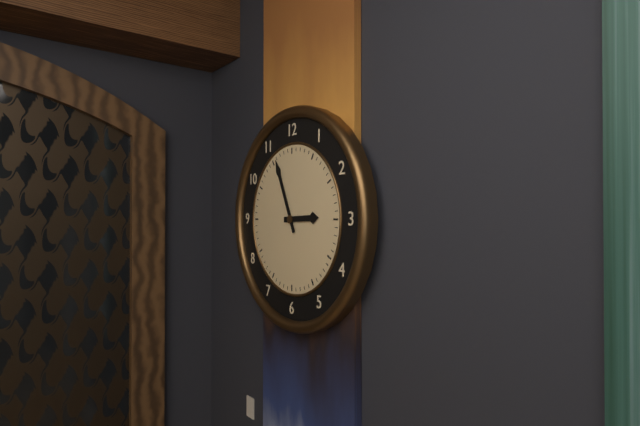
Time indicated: 2:56
